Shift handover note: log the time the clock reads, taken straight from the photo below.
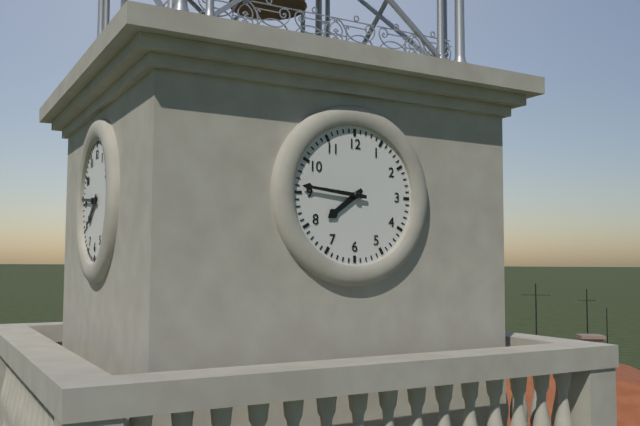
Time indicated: 7:46
